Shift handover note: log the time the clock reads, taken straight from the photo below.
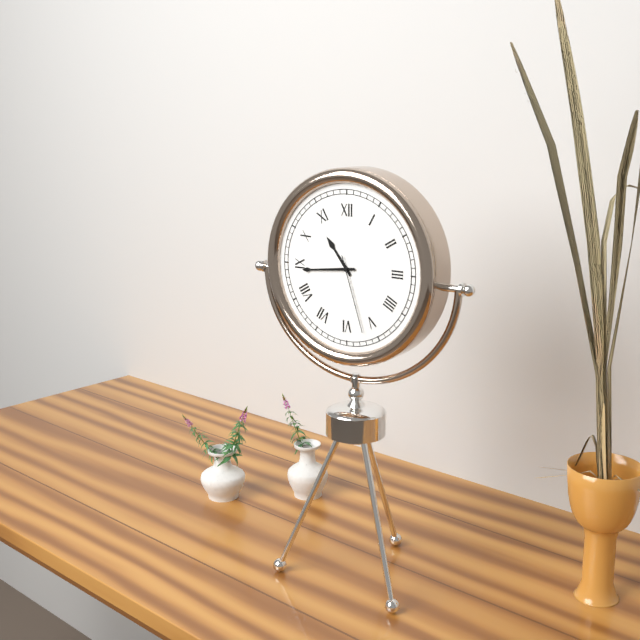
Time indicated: 10:44:27
